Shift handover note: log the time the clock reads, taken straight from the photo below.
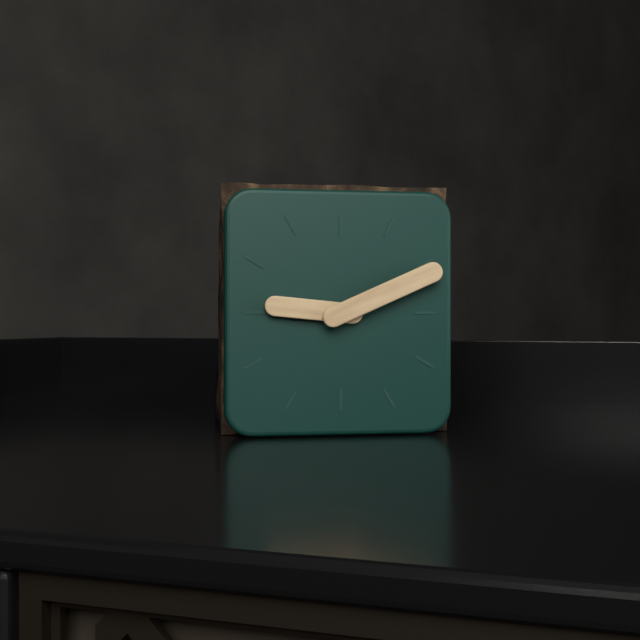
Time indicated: 9:11
